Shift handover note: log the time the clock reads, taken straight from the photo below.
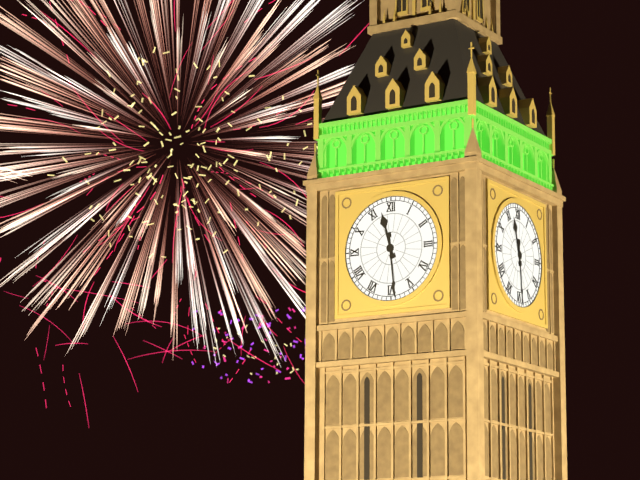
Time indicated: 11:29
